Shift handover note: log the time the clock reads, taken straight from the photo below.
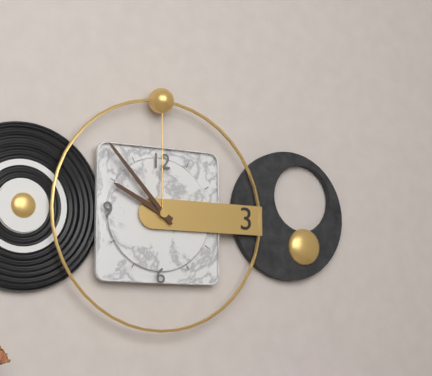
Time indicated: 9:53
